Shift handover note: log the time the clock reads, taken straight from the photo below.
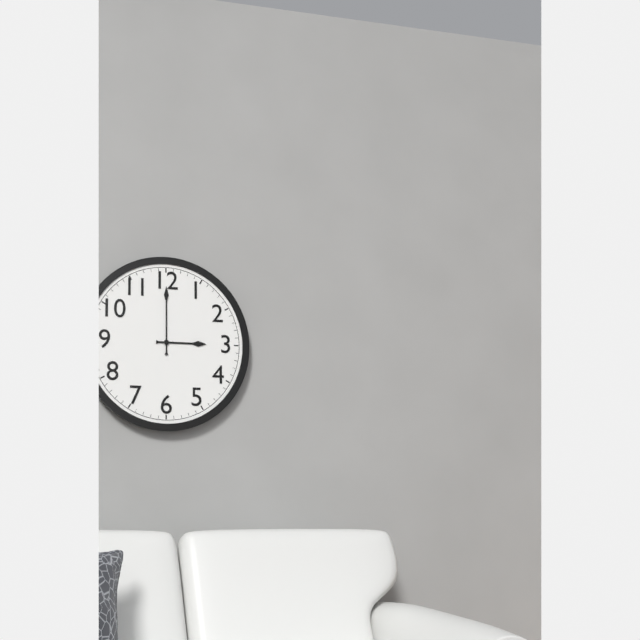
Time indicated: 3:00
